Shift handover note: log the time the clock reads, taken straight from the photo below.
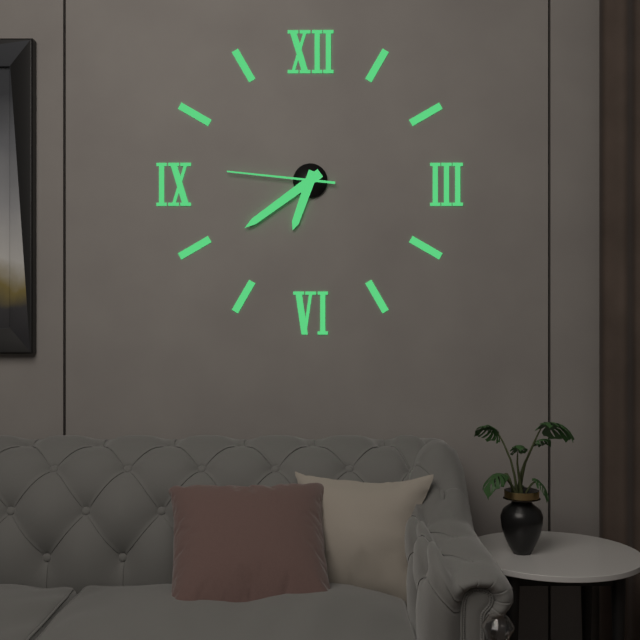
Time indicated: 6:39:46
